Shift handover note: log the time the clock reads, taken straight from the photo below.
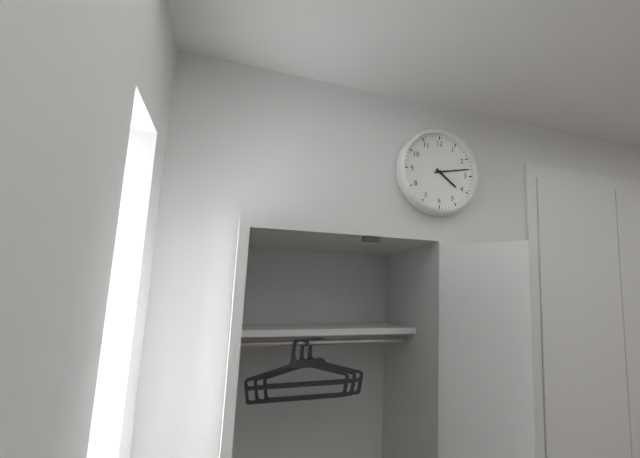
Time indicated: 4:13
